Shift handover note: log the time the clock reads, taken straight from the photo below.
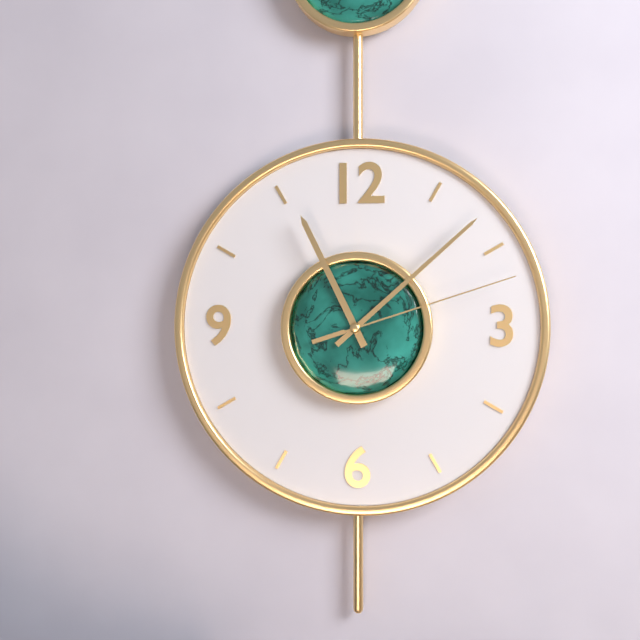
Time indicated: 11:08:12
